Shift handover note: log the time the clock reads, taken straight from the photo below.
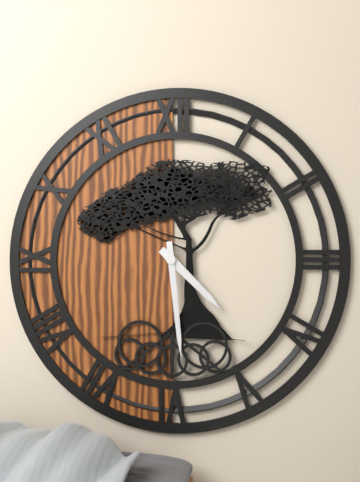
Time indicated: 4:29
